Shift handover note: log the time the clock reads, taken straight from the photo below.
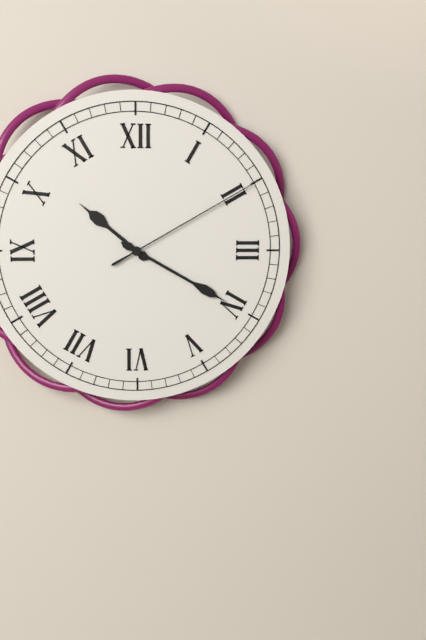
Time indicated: 10:20:10
